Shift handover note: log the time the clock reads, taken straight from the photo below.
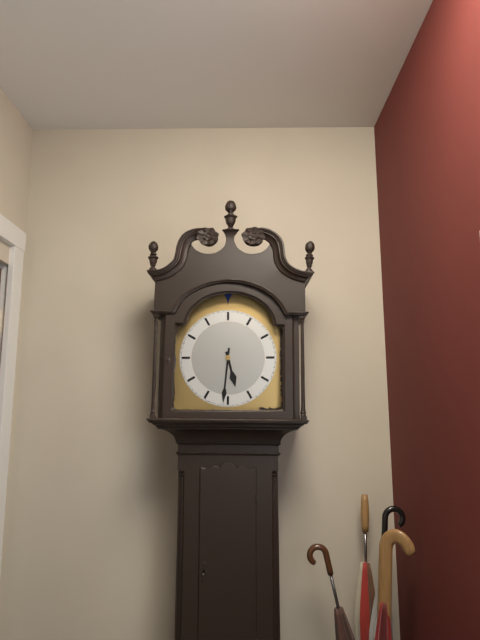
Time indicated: 5:31
